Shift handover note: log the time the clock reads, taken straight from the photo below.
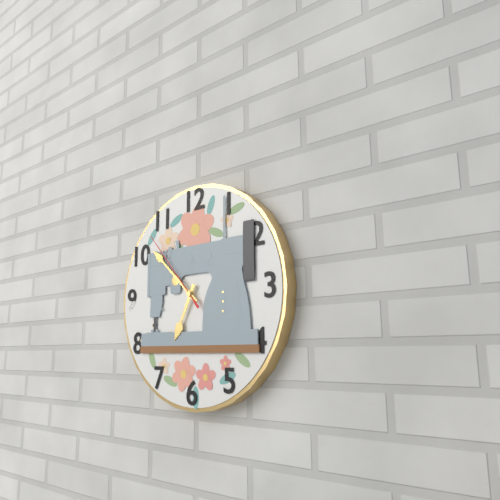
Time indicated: 6:52:53
